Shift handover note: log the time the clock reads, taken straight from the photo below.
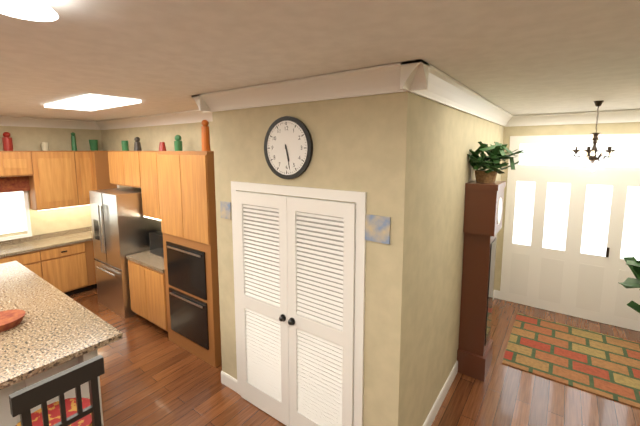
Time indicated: 5:28
